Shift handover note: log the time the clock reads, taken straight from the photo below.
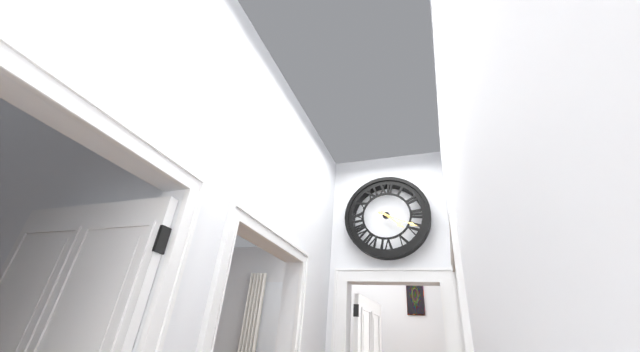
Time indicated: 4:19
